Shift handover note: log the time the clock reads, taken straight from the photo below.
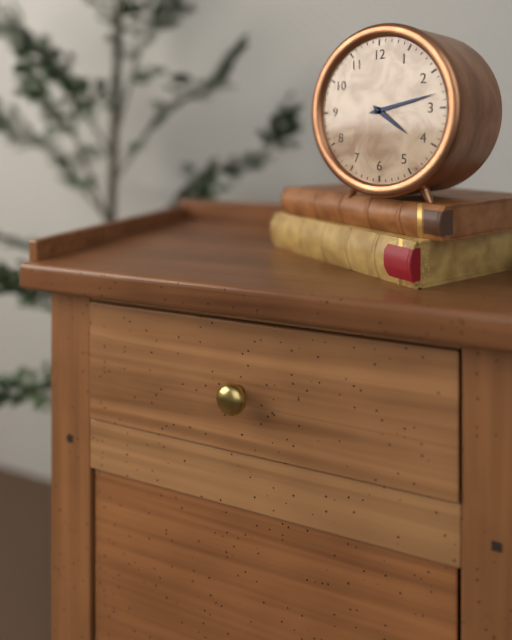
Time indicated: 4:13
